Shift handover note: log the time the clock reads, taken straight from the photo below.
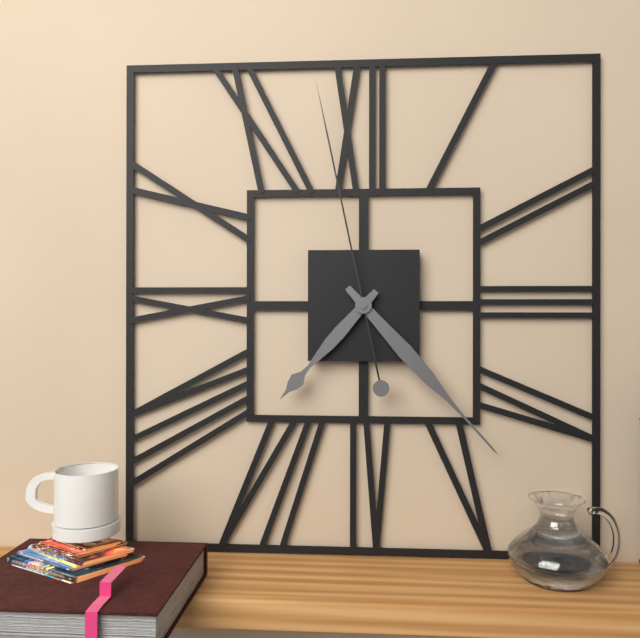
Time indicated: 7:23:58
